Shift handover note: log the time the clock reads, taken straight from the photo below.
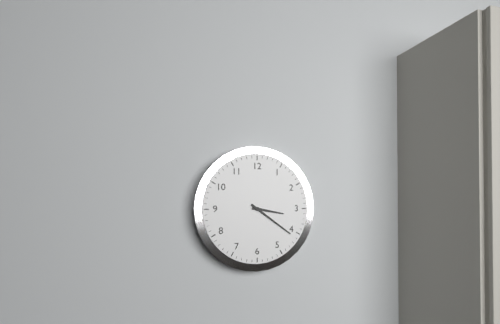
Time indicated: 3:21
